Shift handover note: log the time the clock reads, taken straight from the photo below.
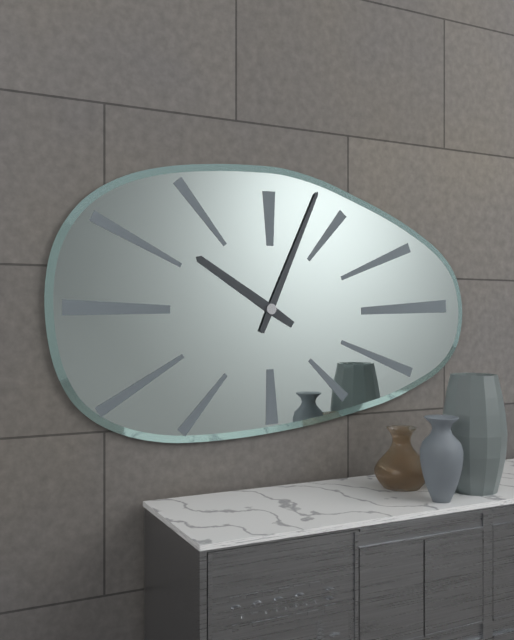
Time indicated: 10:04
